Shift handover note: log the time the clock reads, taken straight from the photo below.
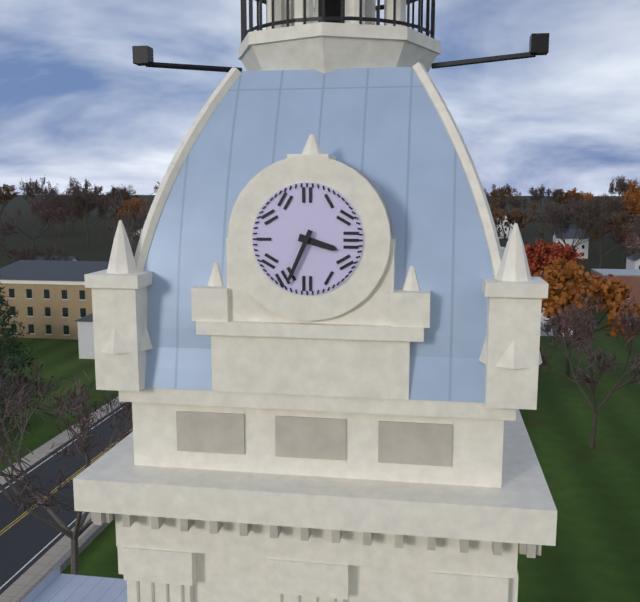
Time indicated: 3:34
